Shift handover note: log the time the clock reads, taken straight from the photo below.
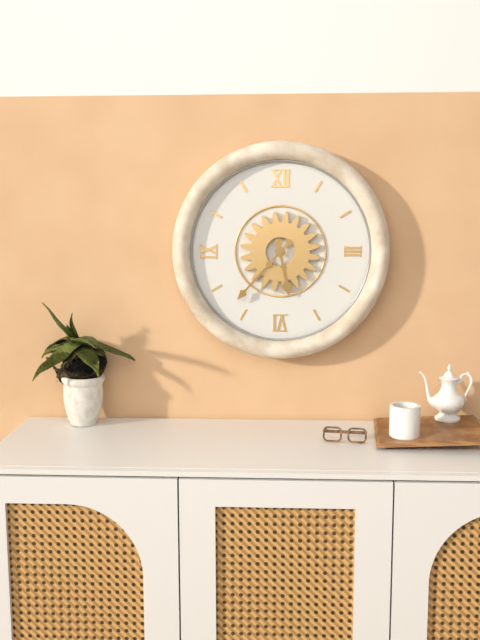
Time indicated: 5:37
